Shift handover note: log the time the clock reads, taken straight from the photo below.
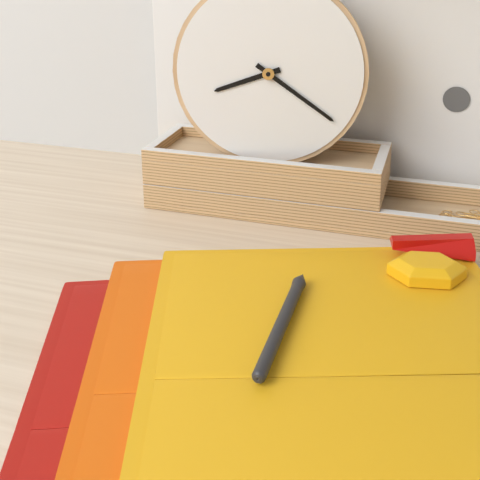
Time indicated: 8:21
